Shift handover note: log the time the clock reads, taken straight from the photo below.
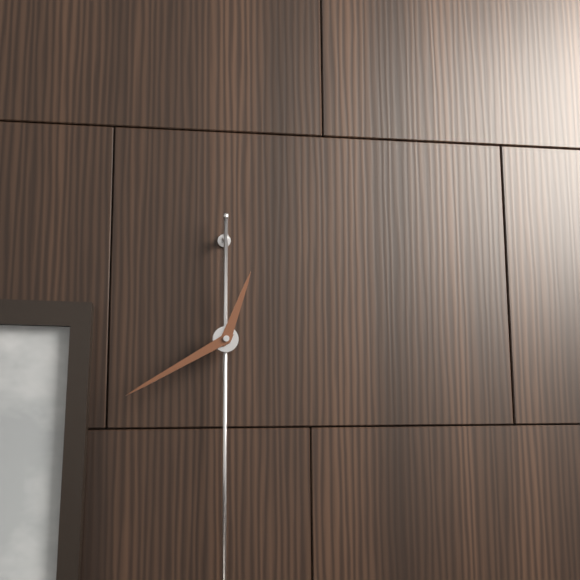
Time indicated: 12:40
